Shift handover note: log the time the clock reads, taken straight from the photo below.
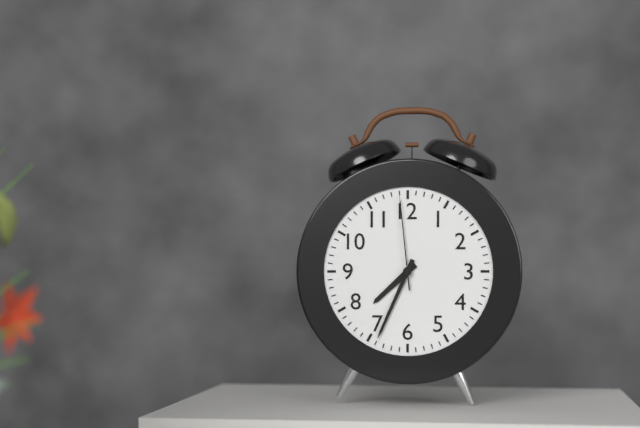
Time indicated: 7:34:59
